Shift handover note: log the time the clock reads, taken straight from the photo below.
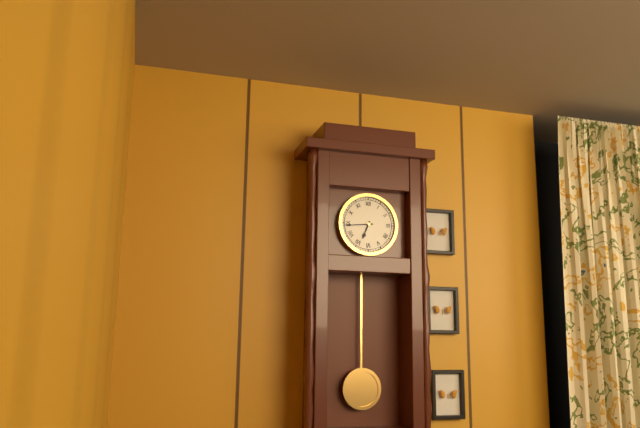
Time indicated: 6:44
